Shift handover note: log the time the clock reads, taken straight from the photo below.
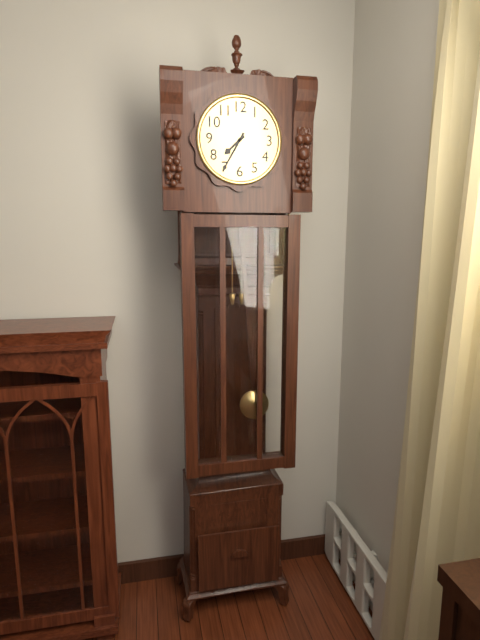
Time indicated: 7:35
